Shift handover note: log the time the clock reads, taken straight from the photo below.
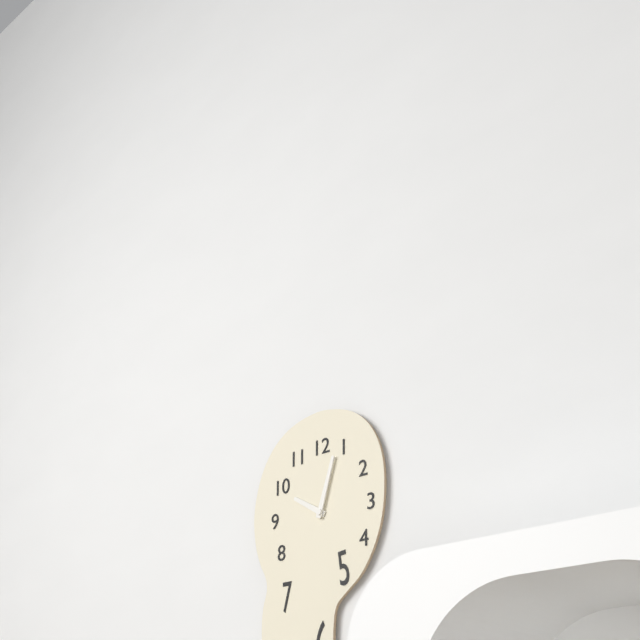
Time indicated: 10:03
